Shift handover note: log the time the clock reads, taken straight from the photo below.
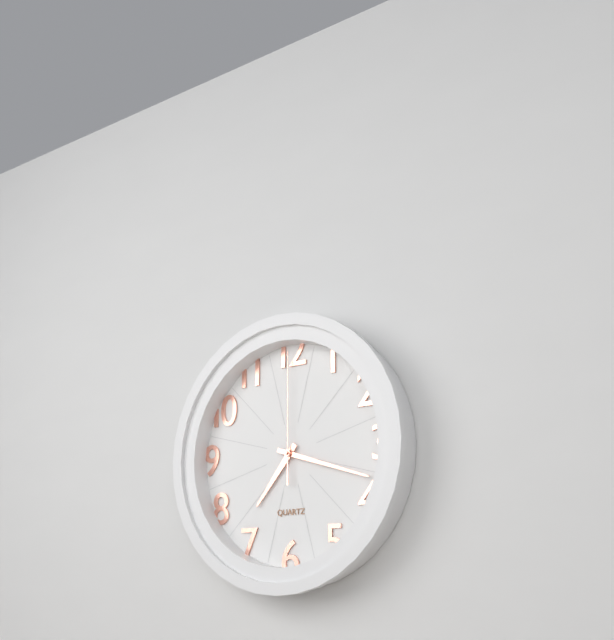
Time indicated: 7:18:00
